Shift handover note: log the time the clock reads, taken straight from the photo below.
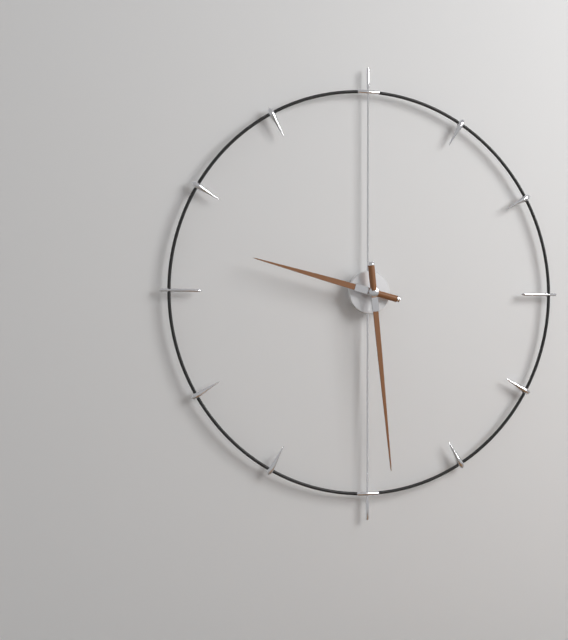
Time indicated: 9:29
